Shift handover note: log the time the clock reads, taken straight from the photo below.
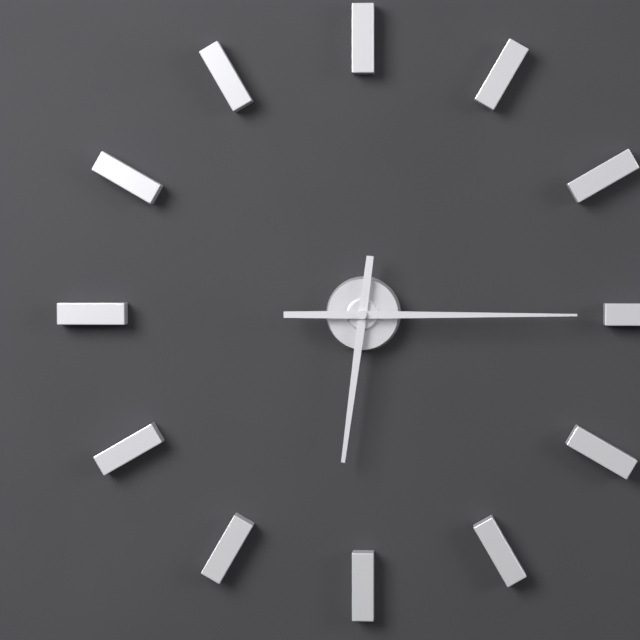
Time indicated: 6:15
